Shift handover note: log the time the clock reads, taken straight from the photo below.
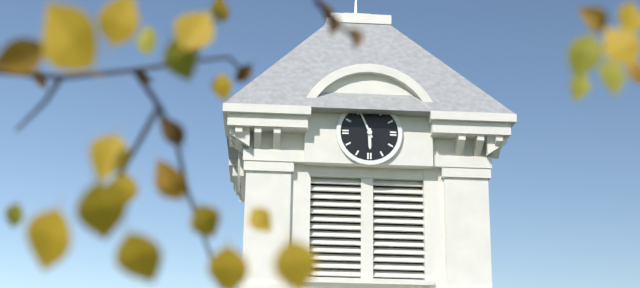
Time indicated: 5:56
